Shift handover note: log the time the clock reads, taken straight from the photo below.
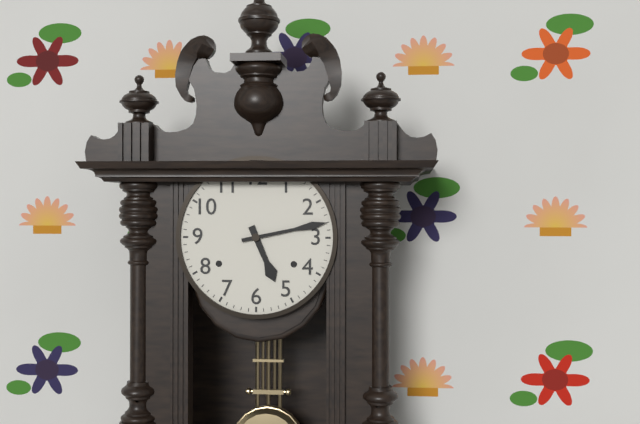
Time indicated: 5:13
